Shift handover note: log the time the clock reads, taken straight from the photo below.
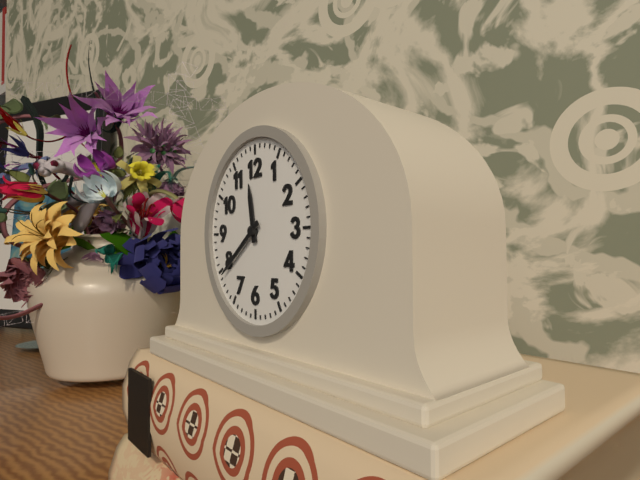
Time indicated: 11:39
